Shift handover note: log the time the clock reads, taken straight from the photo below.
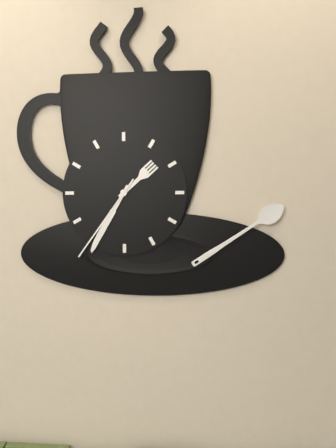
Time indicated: 1:35:36
